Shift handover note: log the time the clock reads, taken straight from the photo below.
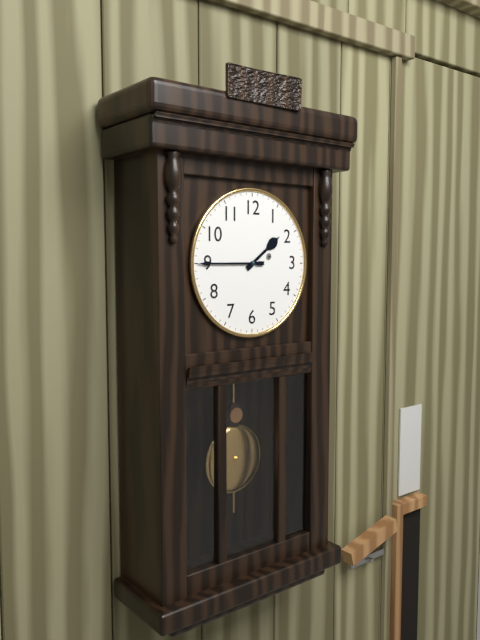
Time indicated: 1:45
